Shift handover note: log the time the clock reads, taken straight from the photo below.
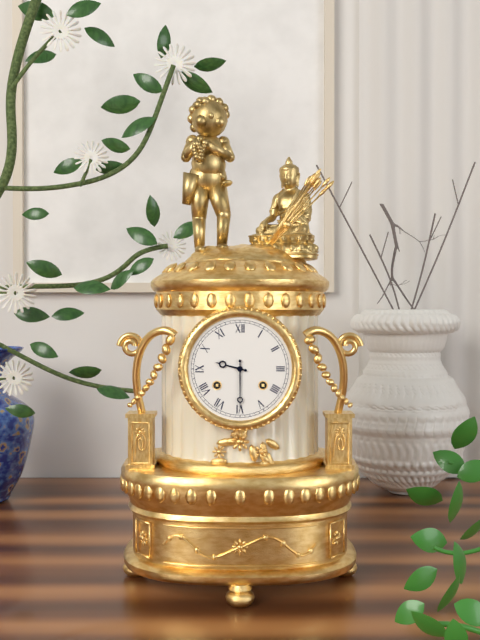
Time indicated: 9:30
